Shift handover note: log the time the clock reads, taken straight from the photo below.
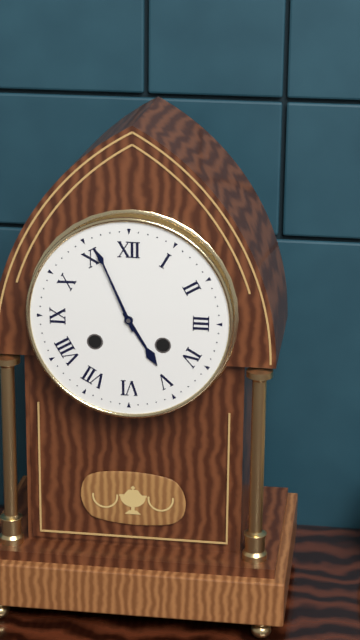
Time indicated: 4:56
